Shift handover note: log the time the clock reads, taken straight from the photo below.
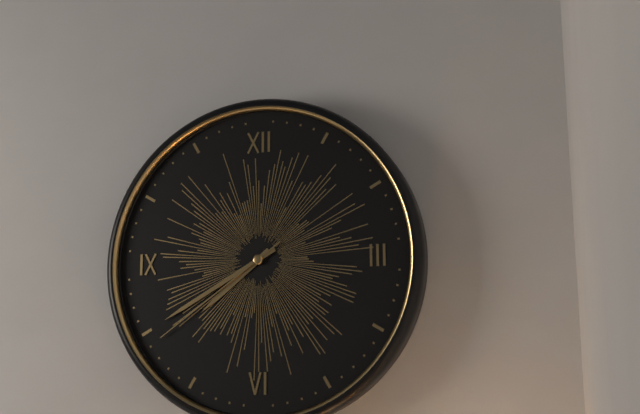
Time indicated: 7:40:39
